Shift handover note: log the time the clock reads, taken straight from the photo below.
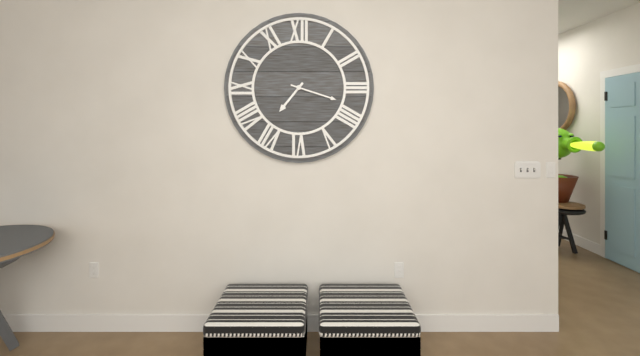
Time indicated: 7:18
